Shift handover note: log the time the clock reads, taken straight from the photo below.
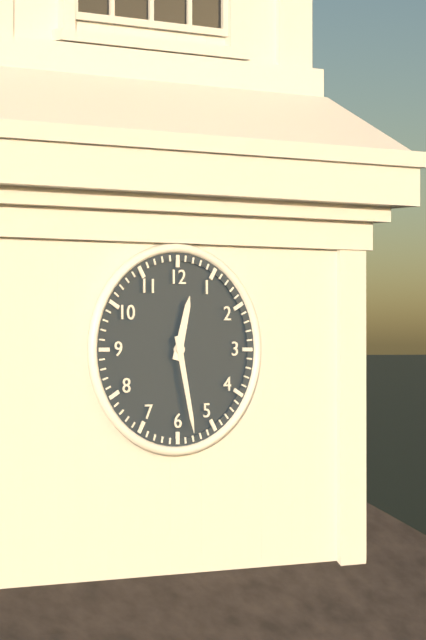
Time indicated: 12:28
